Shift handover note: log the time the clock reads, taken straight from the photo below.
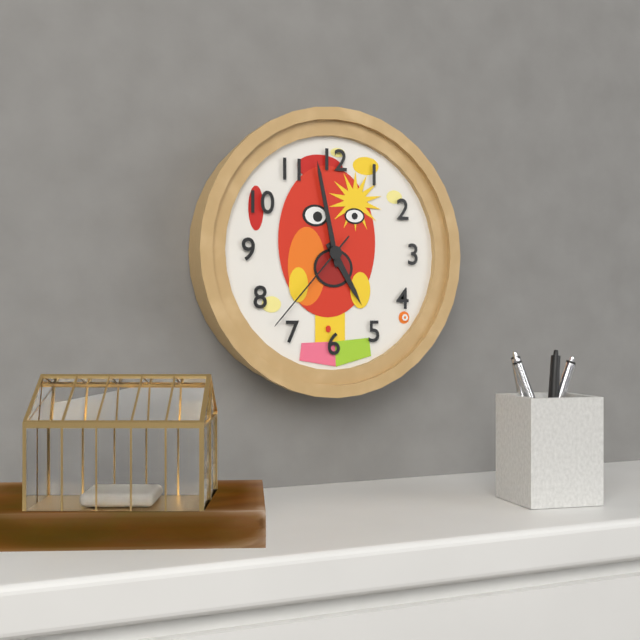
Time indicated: 4:58:37
